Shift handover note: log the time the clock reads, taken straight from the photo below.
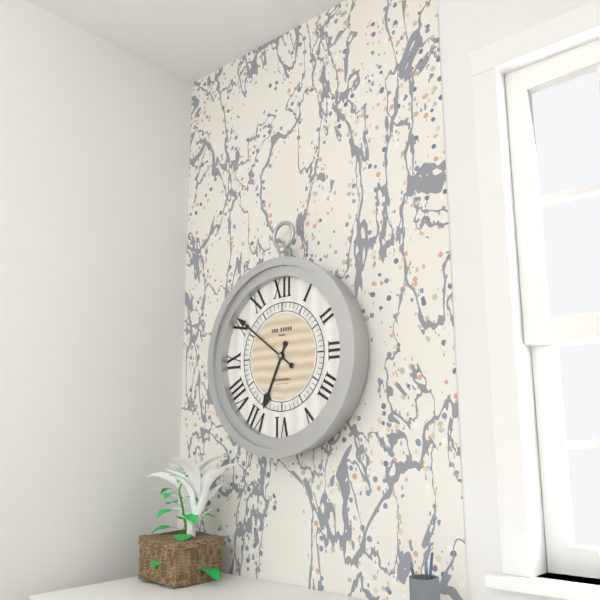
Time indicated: 6:51
